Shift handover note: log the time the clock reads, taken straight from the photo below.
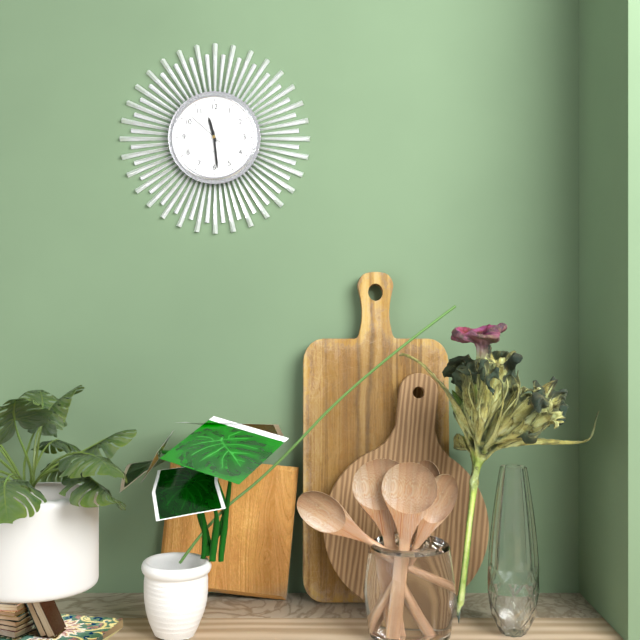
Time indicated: 11:29
